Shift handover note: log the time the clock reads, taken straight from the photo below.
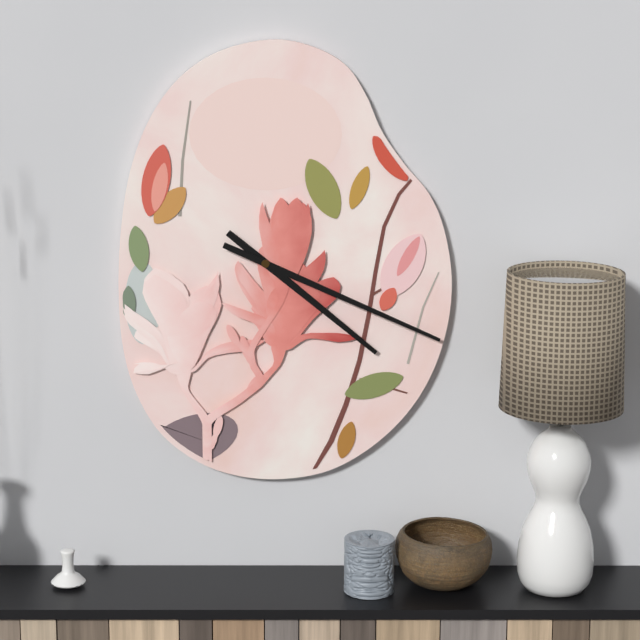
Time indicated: 4:19
